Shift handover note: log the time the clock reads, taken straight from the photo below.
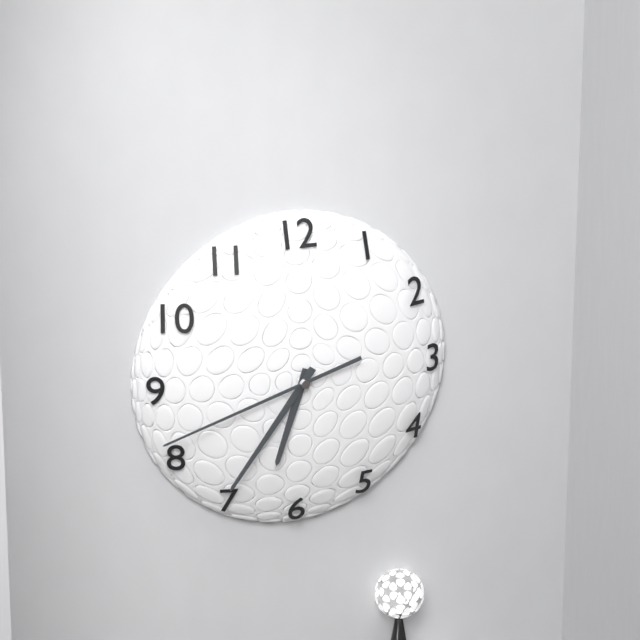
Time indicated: 6:36:42
